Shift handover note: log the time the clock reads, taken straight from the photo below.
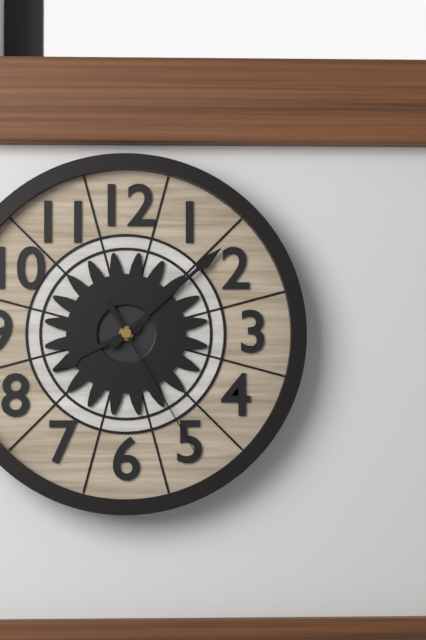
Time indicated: 8:08:25
